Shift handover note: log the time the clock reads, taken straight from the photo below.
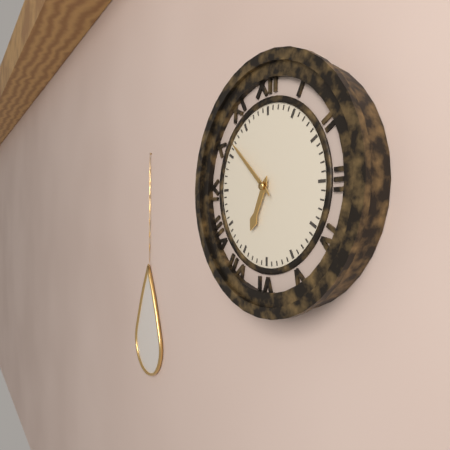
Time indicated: 6:52
